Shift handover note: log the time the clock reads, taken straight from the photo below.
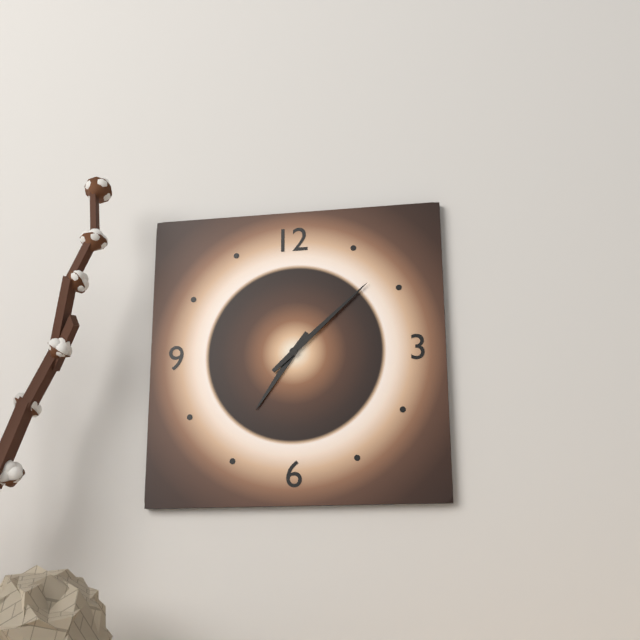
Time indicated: 7:08
